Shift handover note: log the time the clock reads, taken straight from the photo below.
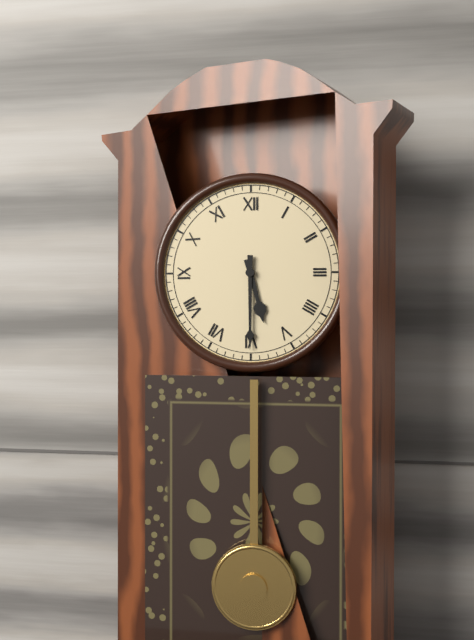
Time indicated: 5:30
